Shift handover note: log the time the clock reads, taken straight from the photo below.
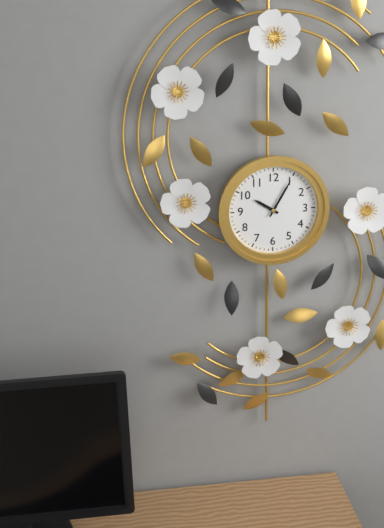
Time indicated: 10:05
